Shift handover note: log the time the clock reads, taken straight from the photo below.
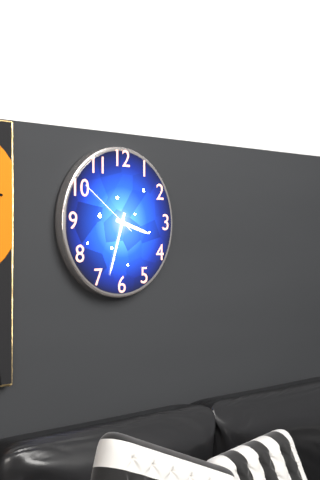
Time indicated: 3:33:51
